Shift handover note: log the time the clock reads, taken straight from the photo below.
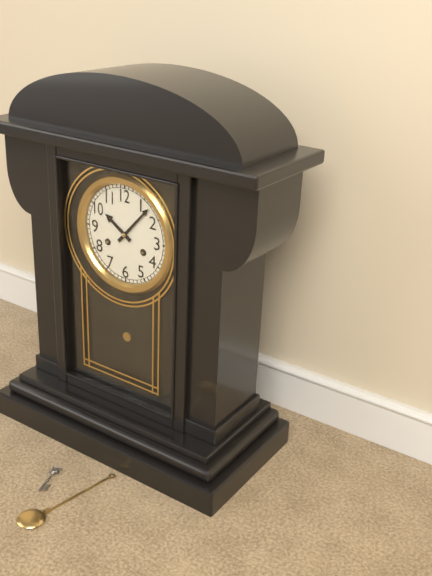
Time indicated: 10:07
